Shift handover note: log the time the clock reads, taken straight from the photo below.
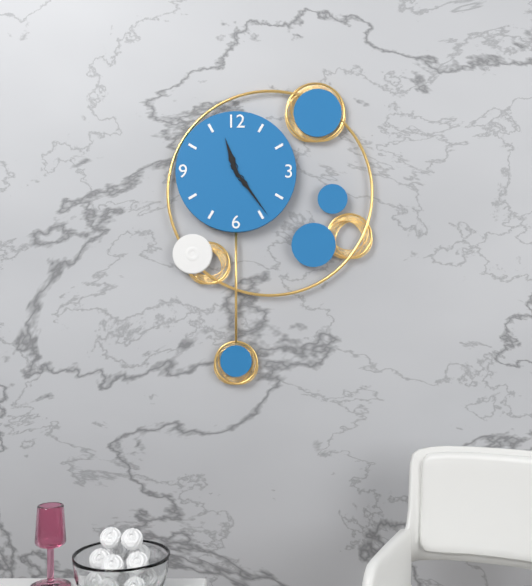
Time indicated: 11:24
